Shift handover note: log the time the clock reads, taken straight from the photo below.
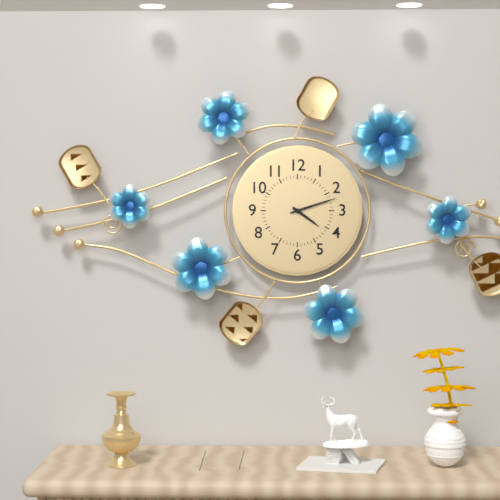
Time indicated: 4:12
